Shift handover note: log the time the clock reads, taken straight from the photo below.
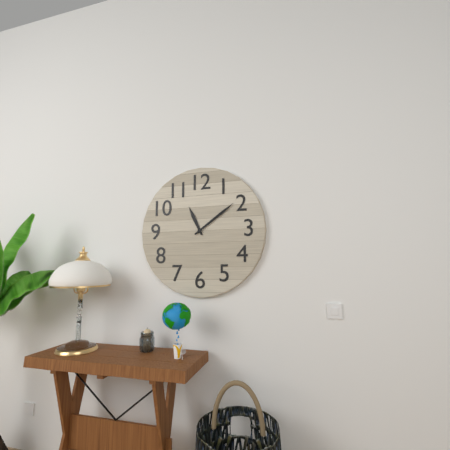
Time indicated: 11:09
